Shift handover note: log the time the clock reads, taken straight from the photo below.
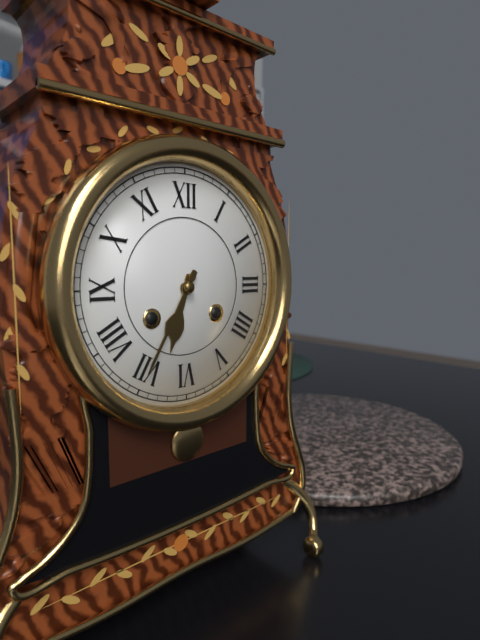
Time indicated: 6:35
